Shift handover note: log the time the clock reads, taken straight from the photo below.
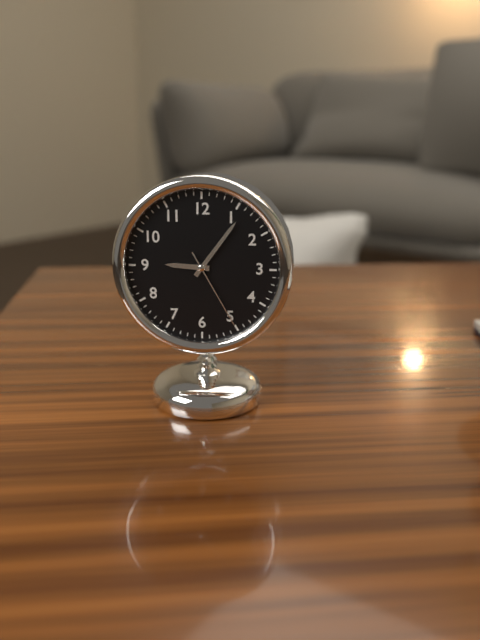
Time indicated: 9:06:25
